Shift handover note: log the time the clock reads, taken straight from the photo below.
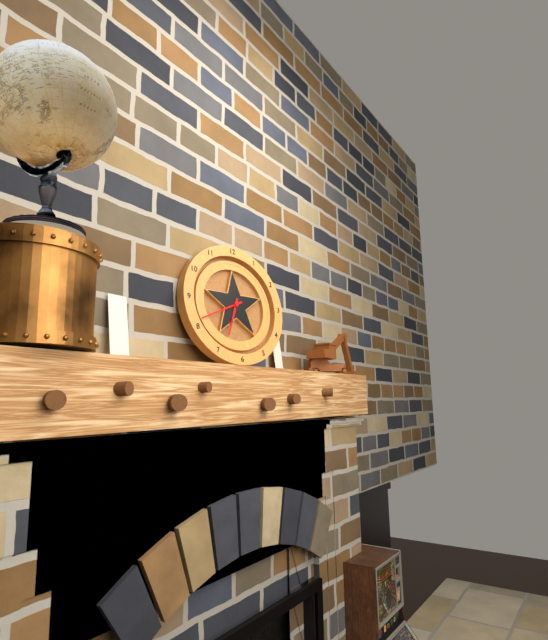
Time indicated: 6:41
